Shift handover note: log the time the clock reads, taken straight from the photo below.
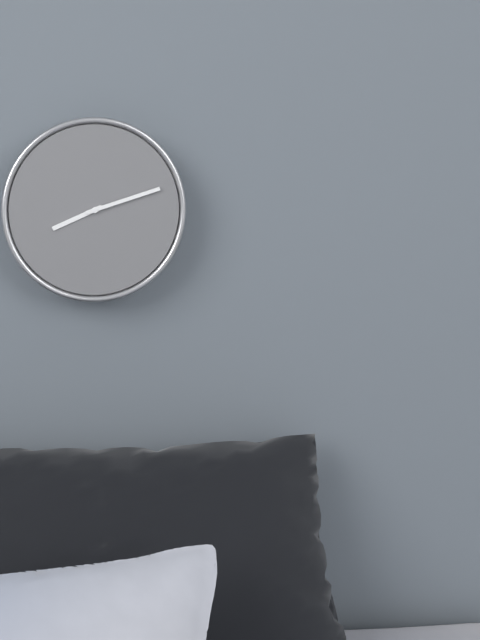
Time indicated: 8:12
